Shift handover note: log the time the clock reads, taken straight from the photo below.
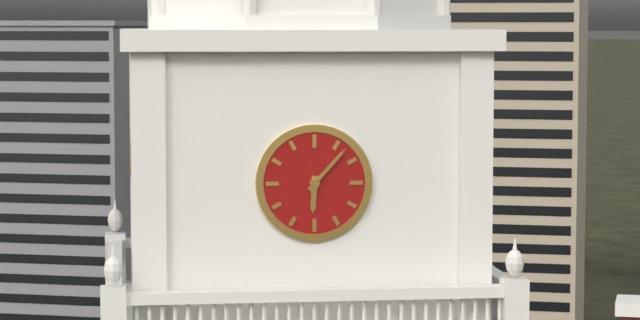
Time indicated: 6:07
